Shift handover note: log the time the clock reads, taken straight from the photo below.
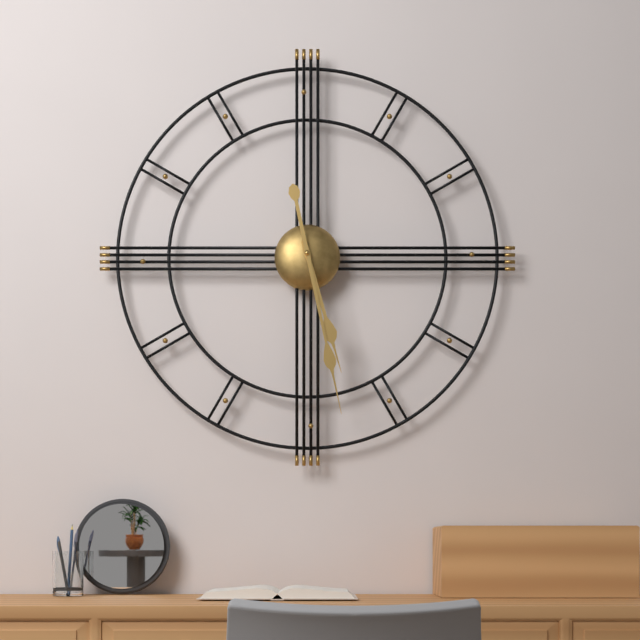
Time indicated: 5:28
